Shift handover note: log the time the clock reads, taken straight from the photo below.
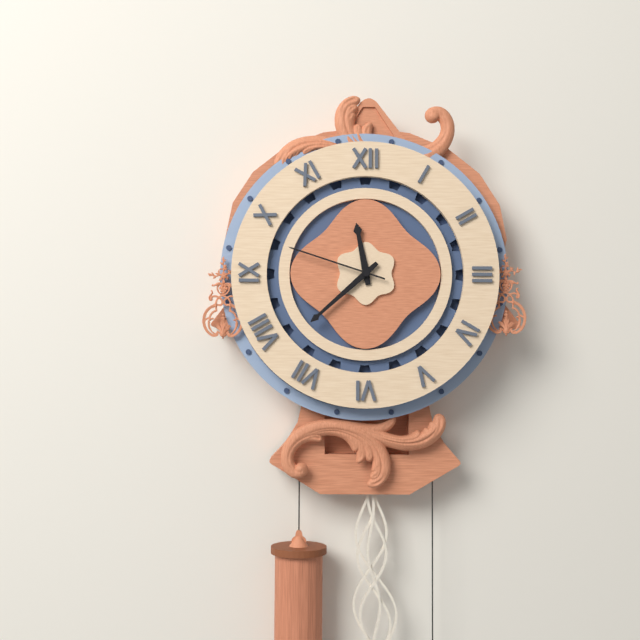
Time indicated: 11:38:48
